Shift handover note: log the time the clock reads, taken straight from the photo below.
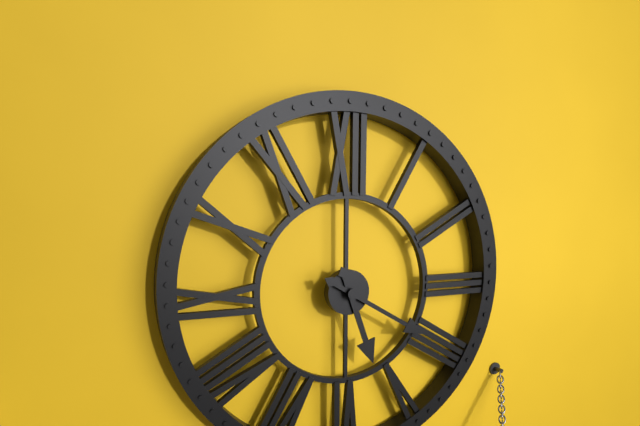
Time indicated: 5:20
